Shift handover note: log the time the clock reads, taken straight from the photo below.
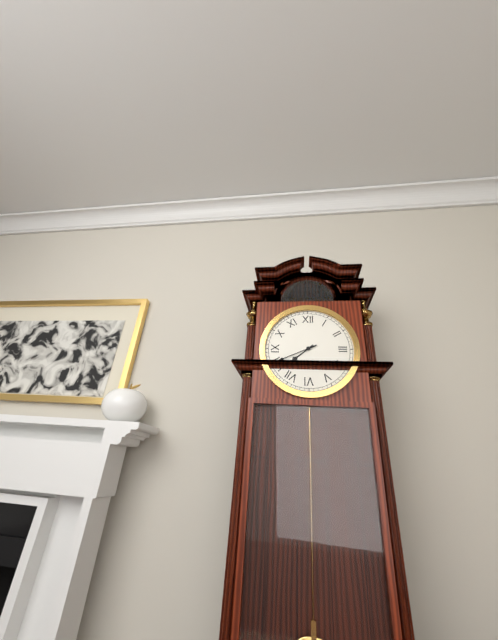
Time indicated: 7:41
